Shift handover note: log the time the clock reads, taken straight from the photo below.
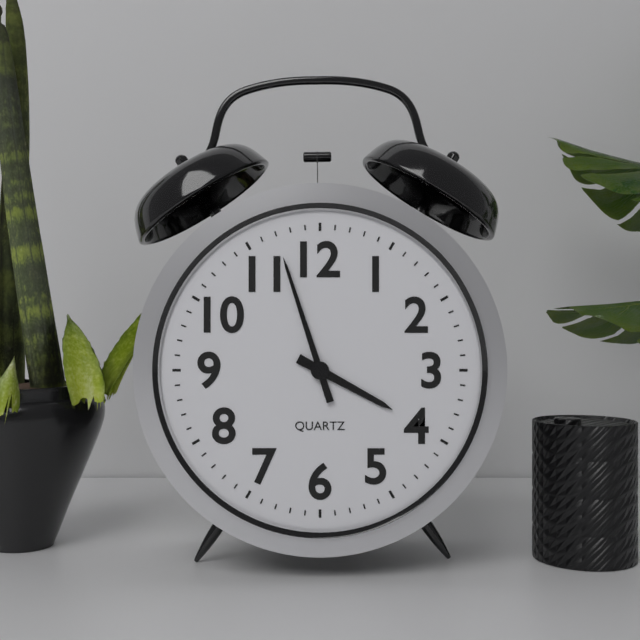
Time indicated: 3:57
